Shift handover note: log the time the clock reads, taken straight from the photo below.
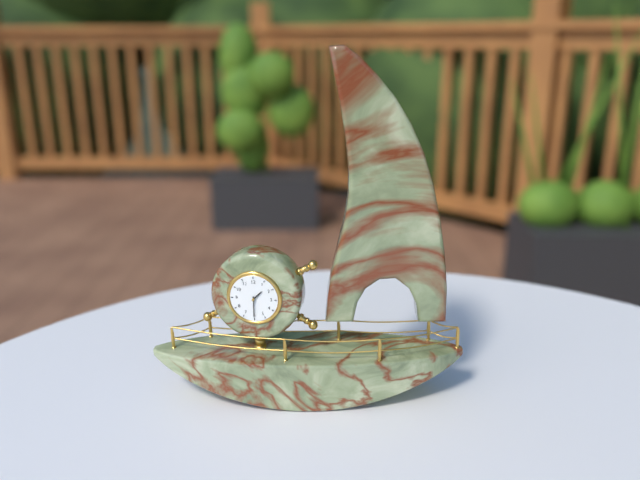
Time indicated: 1:30
